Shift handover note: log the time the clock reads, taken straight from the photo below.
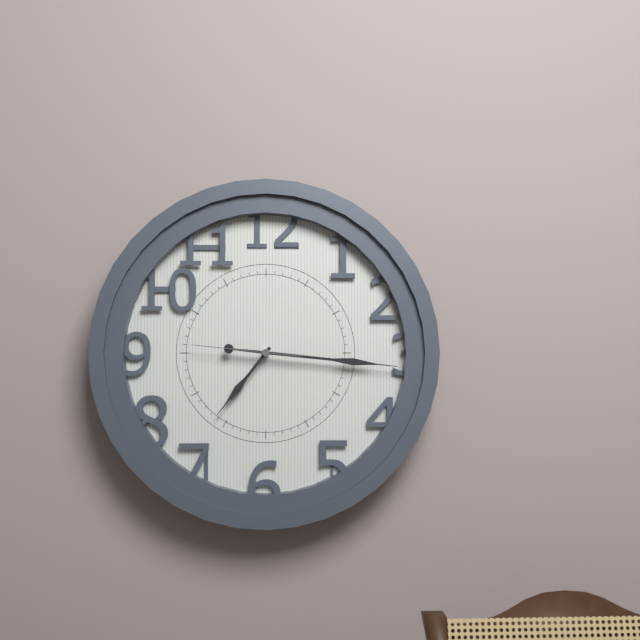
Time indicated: 7:16:46
